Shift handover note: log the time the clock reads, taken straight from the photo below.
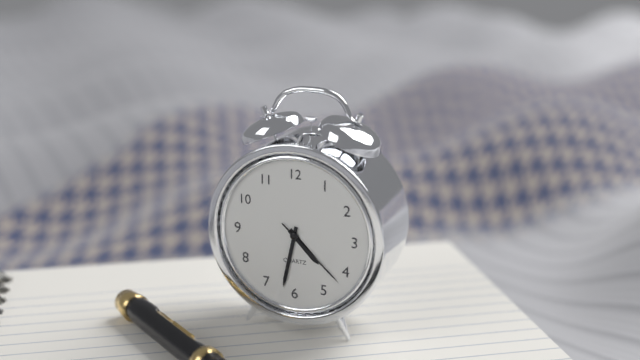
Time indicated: 4:32:22
